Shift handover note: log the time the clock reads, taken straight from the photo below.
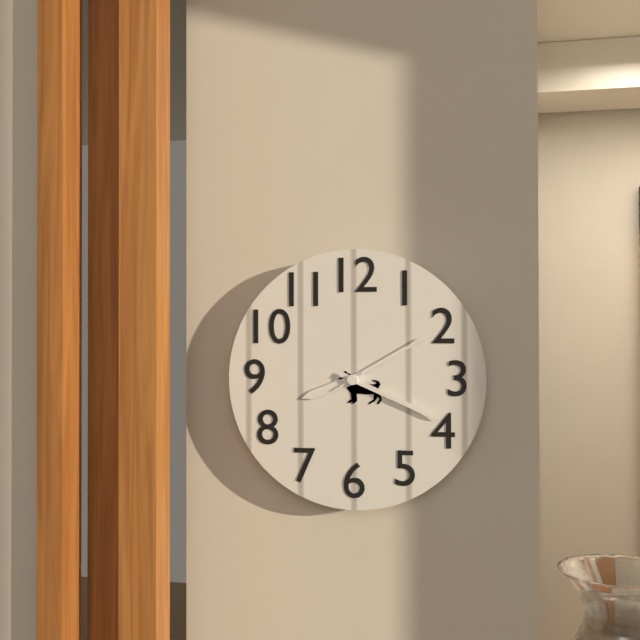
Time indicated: 8:19:10
